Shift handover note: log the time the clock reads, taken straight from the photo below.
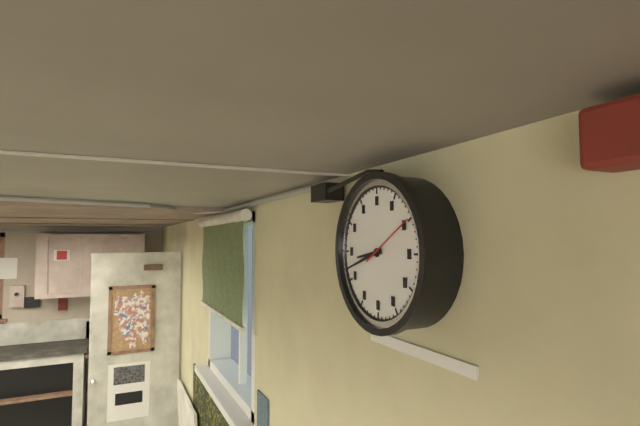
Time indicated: 8:42:10
